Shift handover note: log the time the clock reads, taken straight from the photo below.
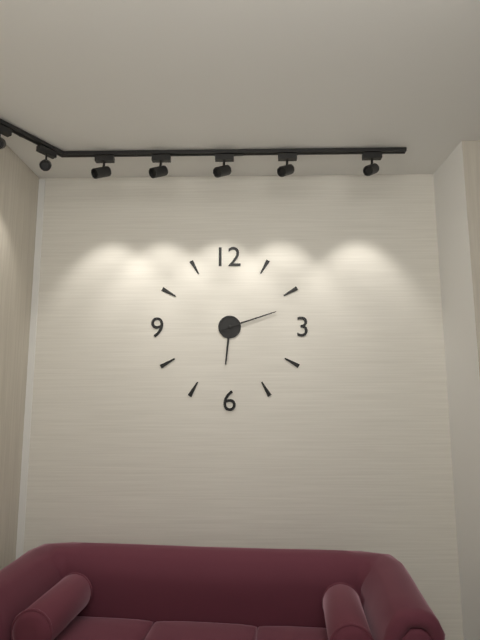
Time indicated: 6:12
